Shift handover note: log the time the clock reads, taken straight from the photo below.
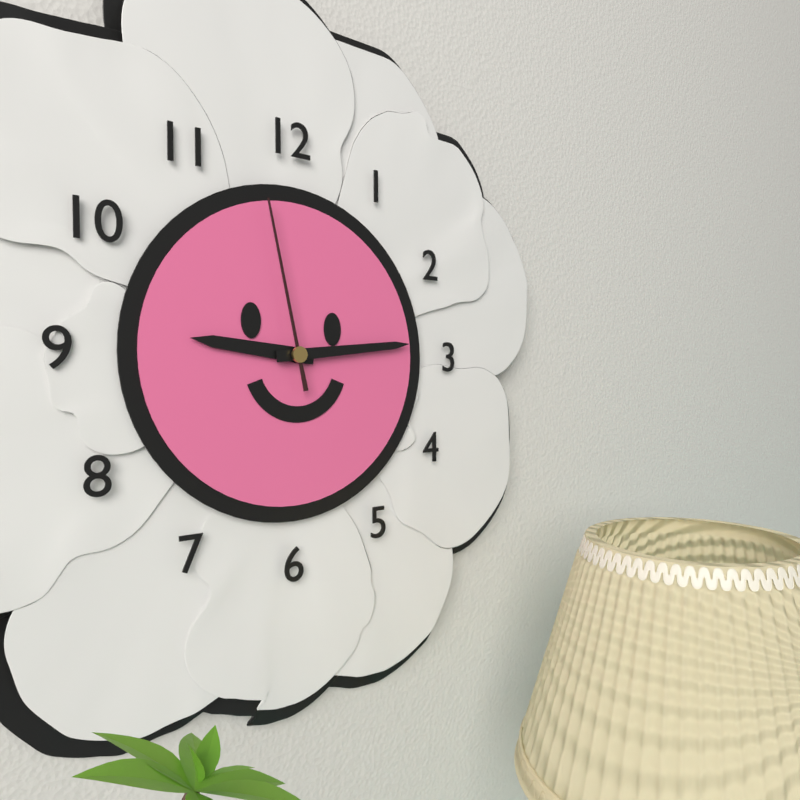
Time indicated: 9:14:58
